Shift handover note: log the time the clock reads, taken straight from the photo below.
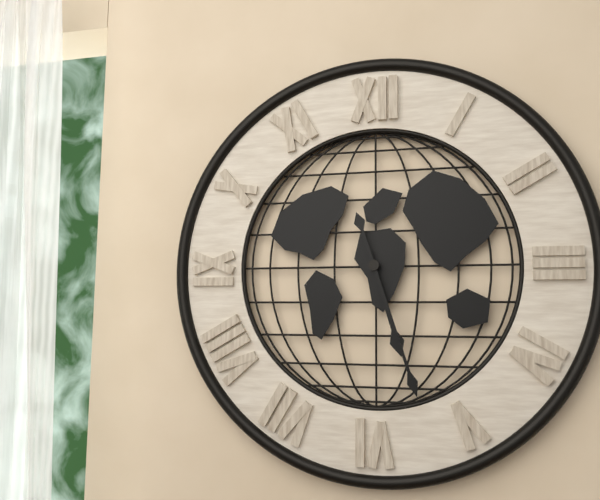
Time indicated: 5:27
